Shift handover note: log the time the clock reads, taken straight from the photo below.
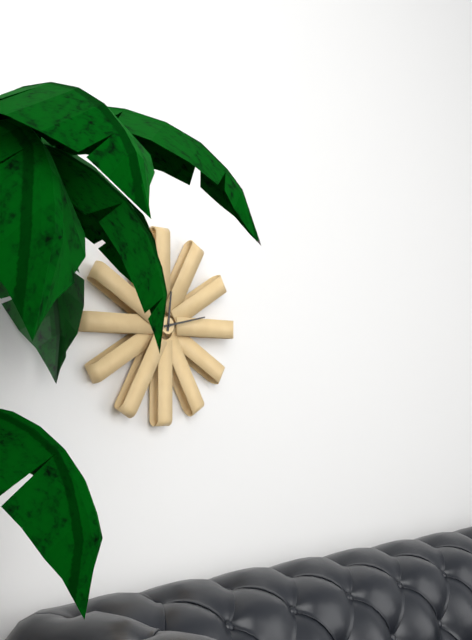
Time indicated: 12:13
